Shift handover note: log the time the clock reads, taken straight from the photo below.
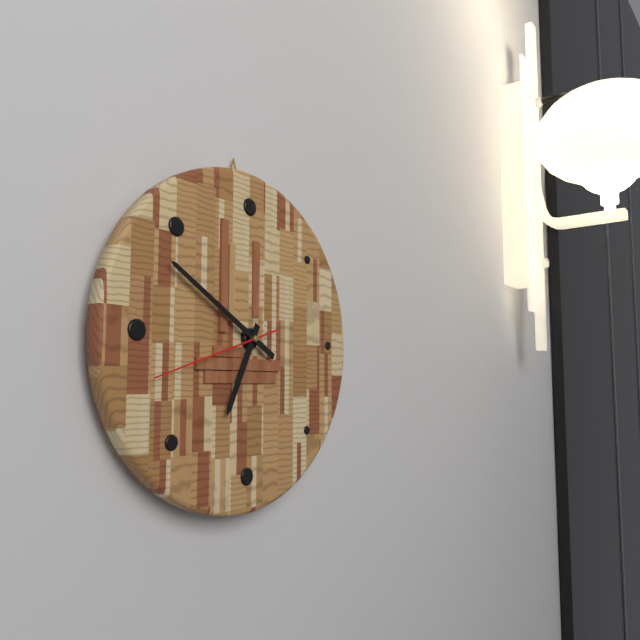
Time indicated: 6:50:42
